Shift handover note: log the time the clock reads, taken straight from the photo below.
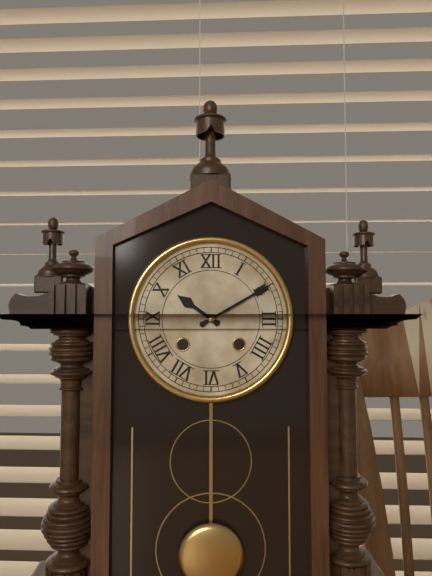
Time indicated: 10:10
